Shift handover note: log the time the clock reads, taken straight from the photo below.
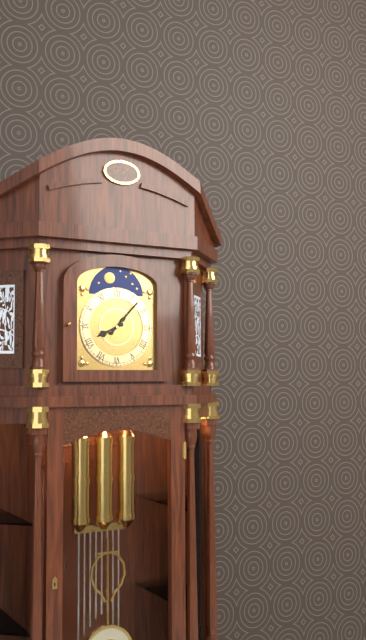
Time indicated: 8:07
